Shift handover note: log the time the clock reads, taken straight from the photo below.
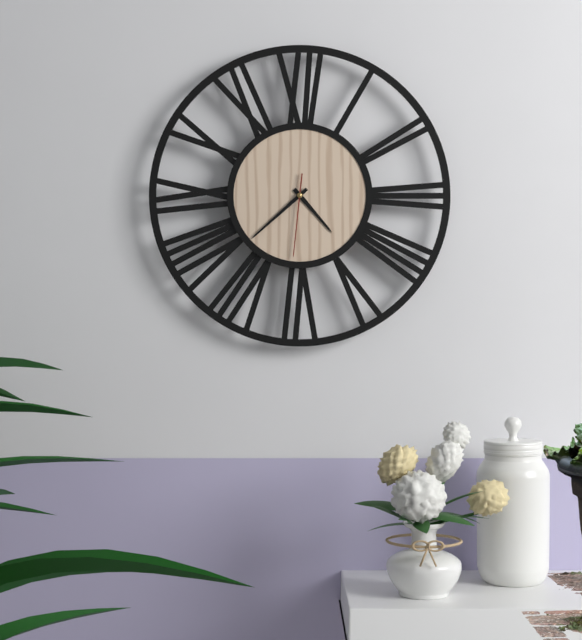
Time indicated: 4:38:31
